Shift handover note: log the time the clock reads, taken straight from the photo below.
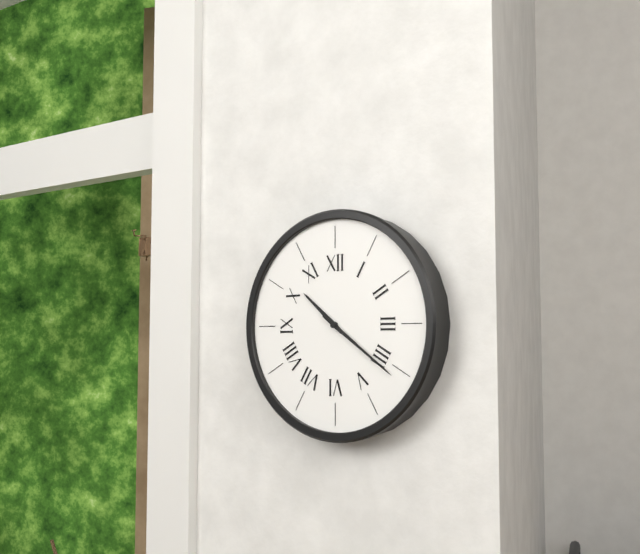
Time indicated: 10:21
